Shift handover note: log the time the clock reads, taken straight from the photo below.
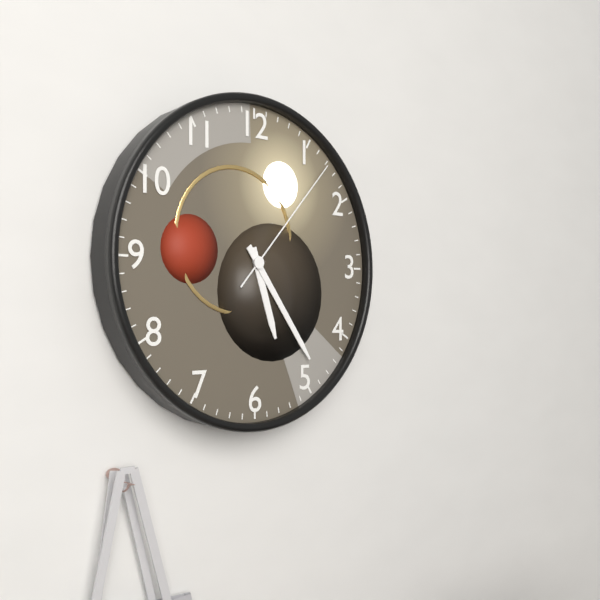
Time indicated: 5:24:07
